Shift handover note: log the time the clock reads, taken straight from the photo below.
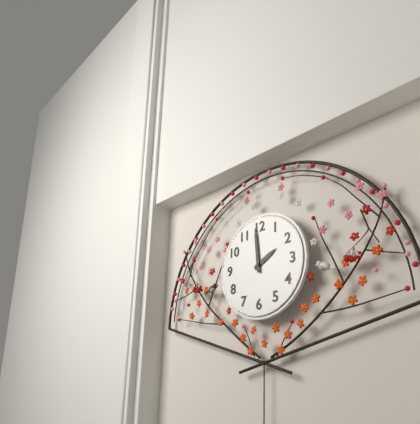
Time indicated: 1:59
